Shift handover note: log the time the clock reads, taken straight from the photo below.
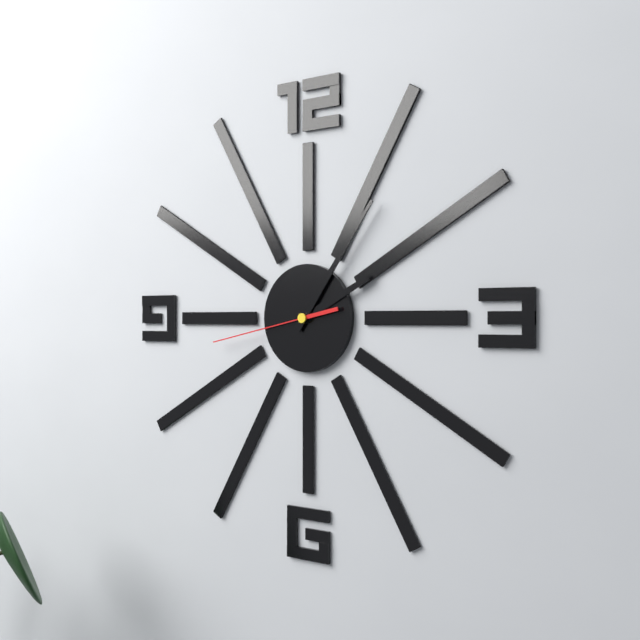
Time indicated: 2:06:43
